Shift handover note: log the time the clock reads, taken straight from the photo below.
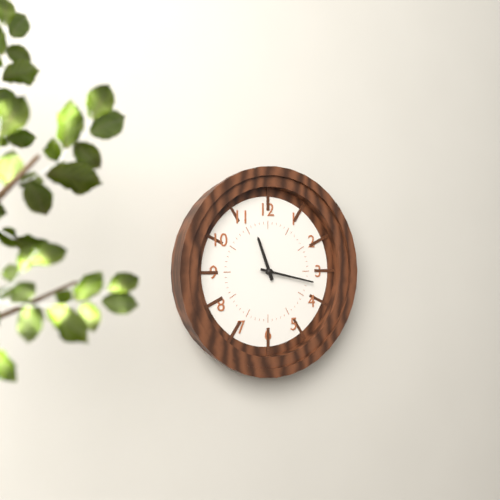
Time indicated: 11:17
